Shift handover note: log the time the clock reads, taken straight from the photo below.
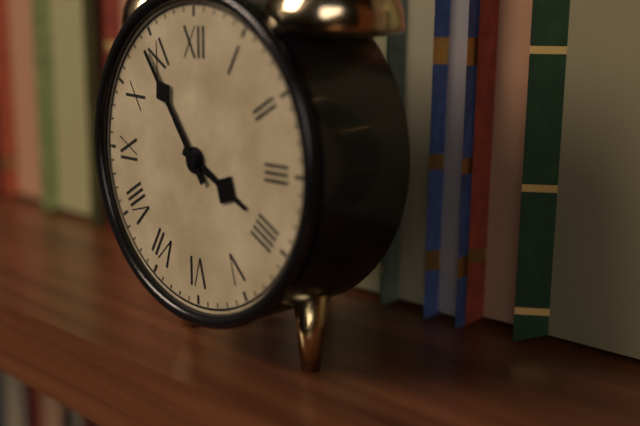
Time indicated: 3:54
